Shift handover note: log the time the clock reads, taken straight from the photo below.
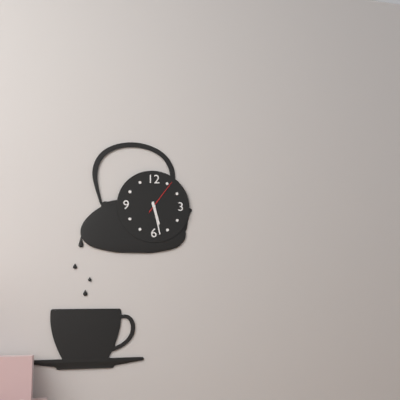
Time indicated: 5:28
